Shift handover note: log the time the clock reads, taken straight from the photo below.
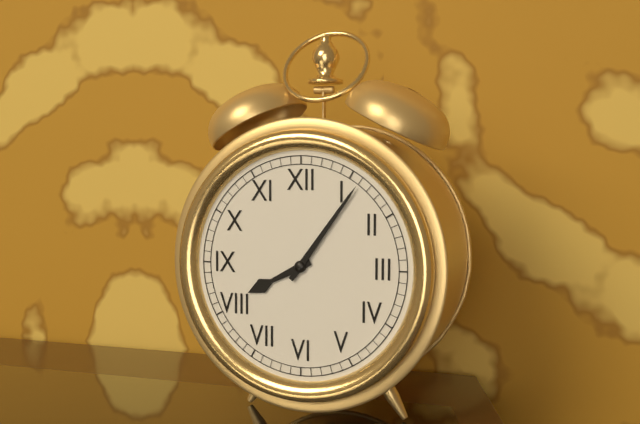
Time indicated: 8:06
